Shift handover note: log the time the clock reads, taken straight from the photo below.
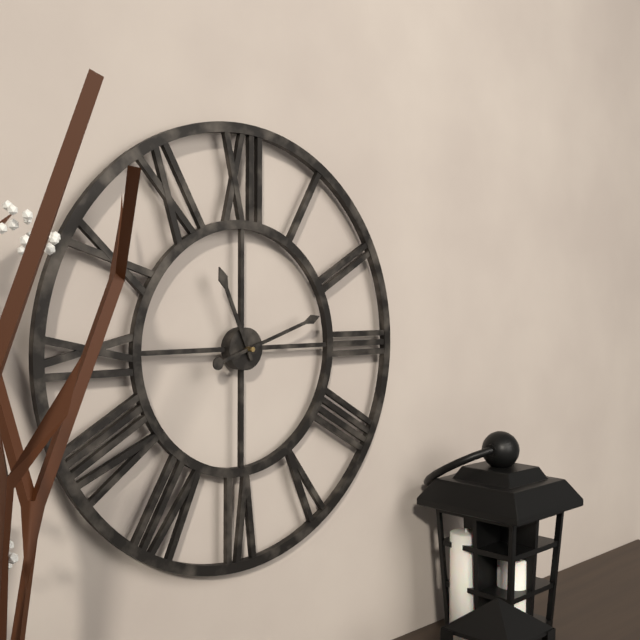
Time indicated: 11:12
